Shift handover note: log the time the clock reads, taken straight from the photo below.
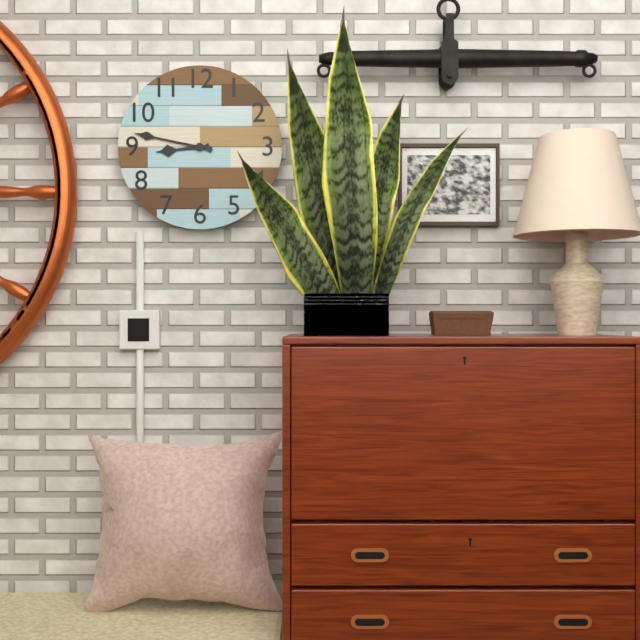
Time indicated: 8:47
